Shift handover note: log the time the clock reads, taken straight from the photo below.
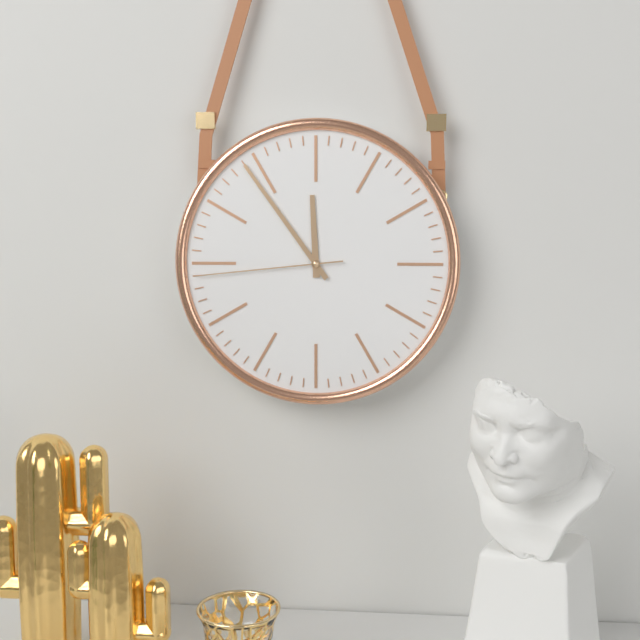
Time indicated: 11:54:44
